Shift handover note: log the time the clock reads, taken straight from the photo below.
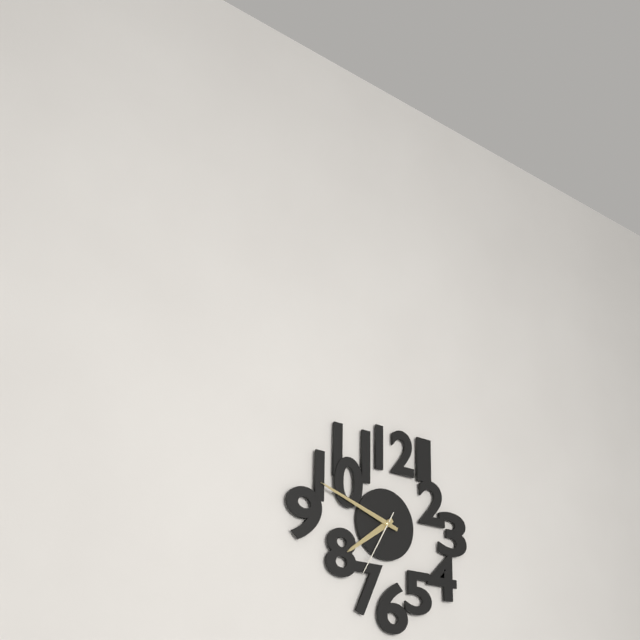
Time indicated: 7:48:35
